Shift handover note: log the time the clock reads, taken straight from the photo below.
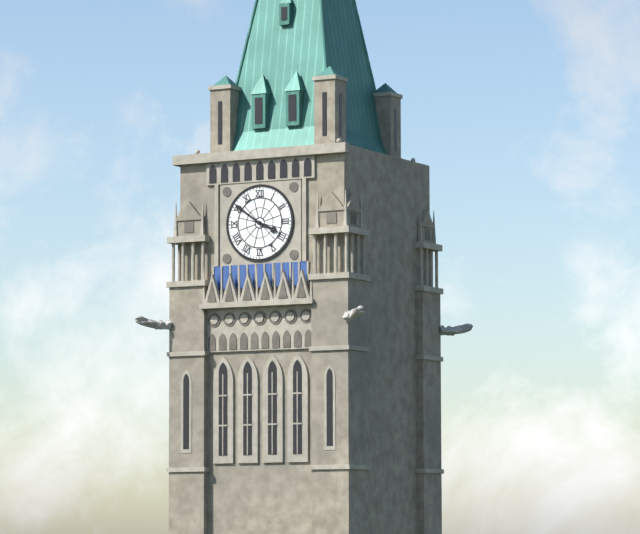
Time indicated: 3:51
